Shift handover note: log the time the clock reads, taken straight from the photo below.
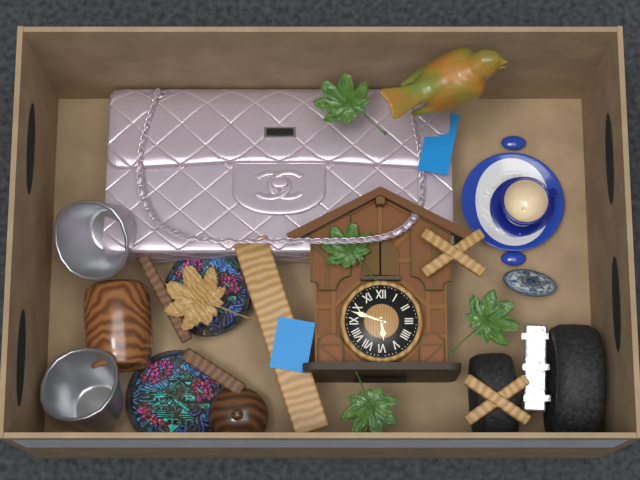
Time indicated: 5:48
